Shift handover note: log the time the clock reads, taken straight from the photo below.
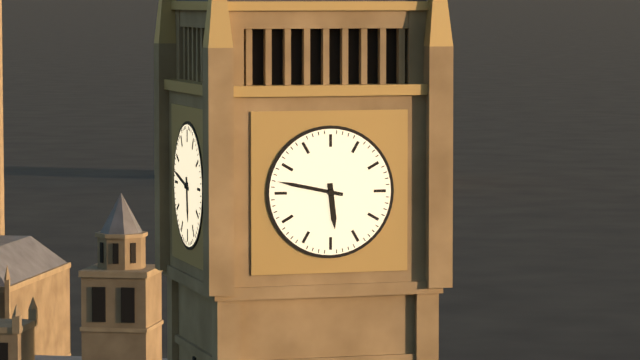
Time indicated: 5:47
